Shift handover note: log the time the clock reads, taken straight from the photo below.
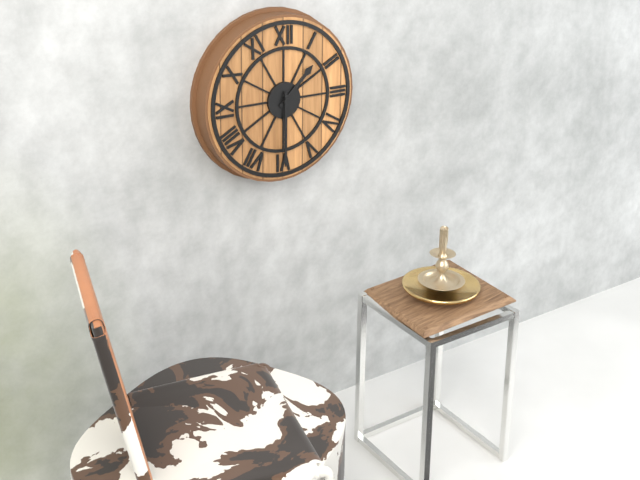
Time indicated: 1:30
